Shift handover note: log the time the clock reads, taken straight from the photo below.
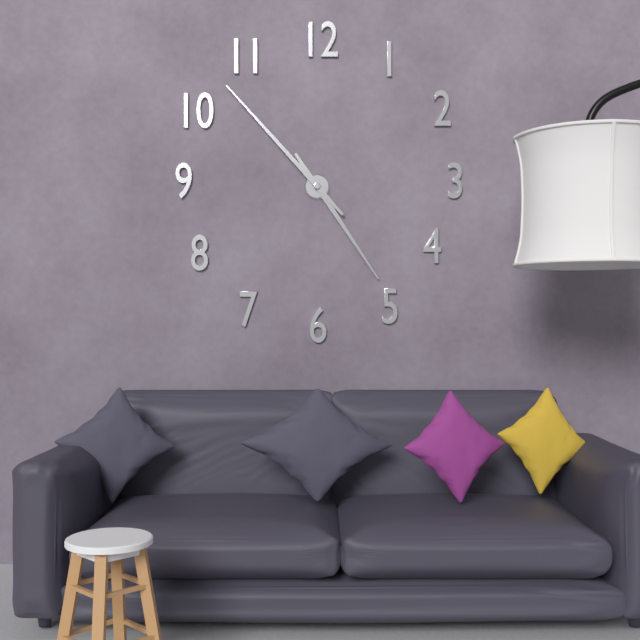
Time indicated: 4:53
